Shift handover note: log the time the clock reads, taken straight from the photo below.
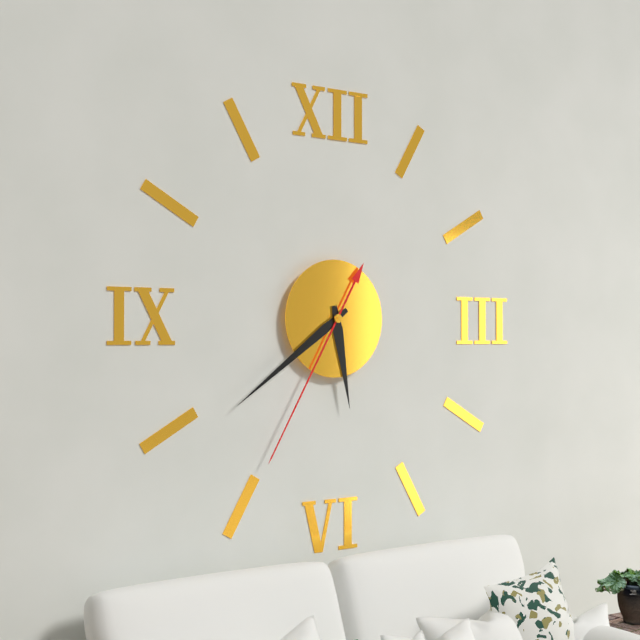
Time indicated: 5:39:35
